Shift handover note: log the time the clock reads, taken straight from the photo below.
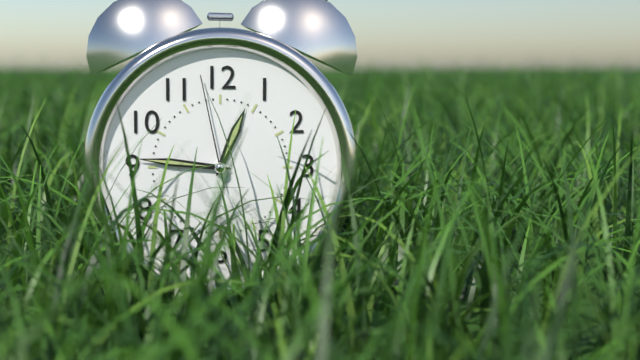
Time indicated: 12:46:58
